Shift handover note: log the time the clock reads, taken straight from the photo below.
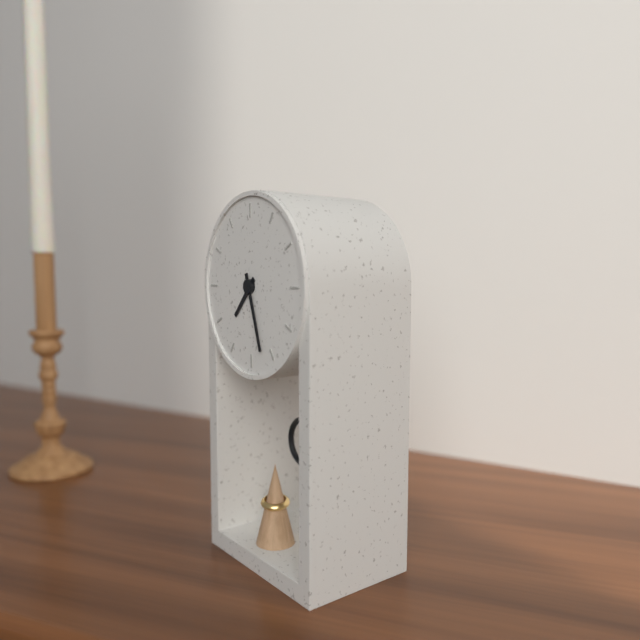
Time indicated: 7:27
